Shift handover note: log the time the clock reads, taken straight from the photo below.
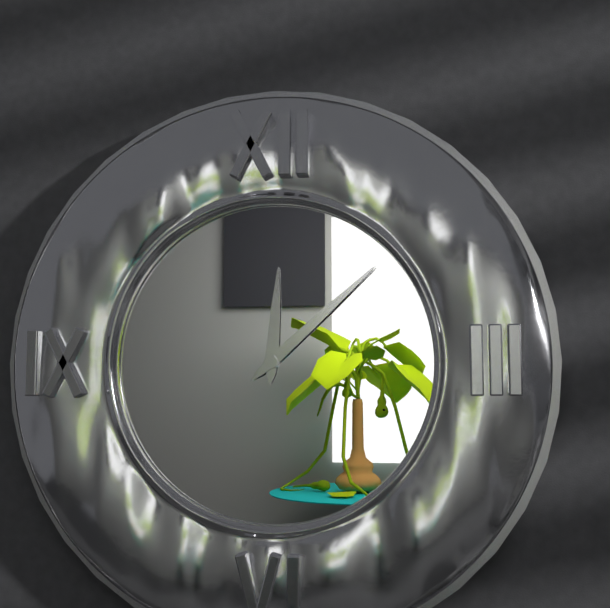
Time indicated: 12:08
